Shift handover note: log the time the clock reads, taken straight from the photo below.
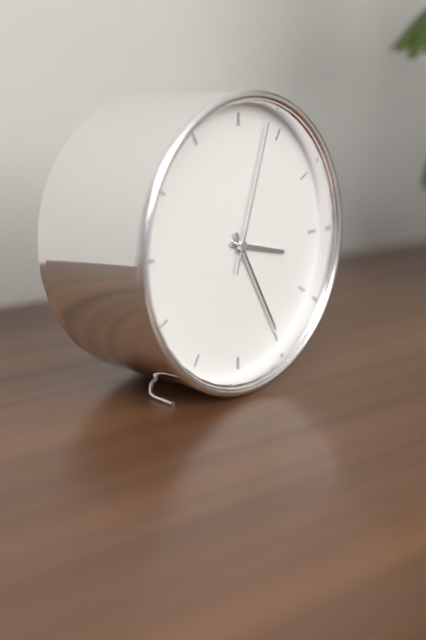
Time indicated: 3:25:03
